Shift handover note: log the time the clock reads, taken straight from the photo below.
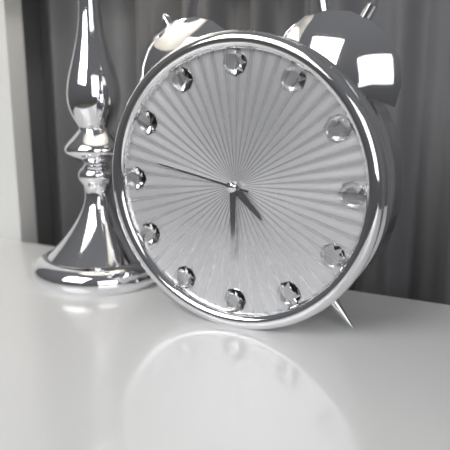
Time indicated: 4:30:47
